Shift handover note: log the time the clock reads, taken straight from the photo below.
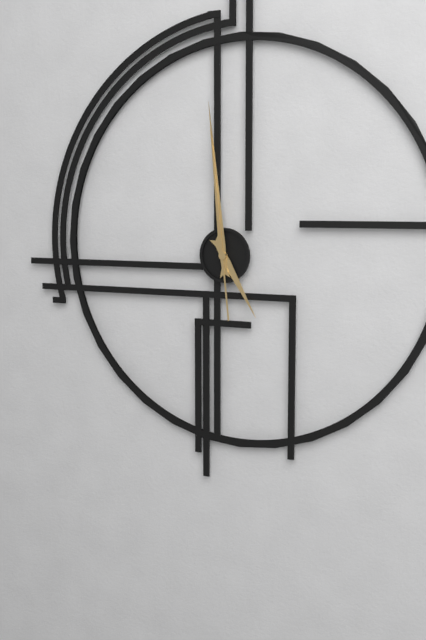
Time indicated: 4:59:59
